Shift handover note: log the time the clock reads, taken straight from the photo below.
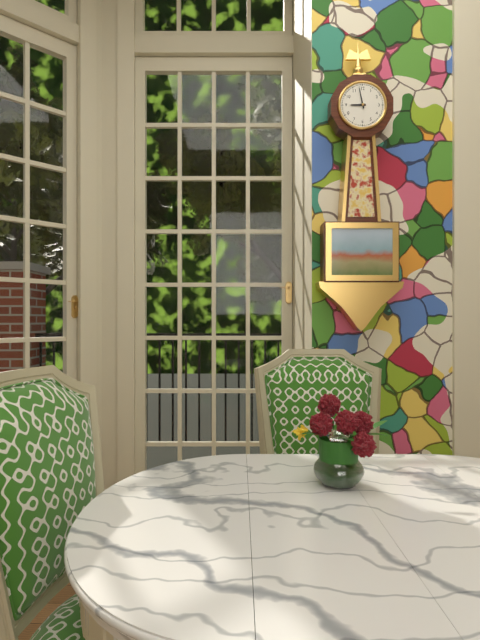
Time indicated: 8:58
